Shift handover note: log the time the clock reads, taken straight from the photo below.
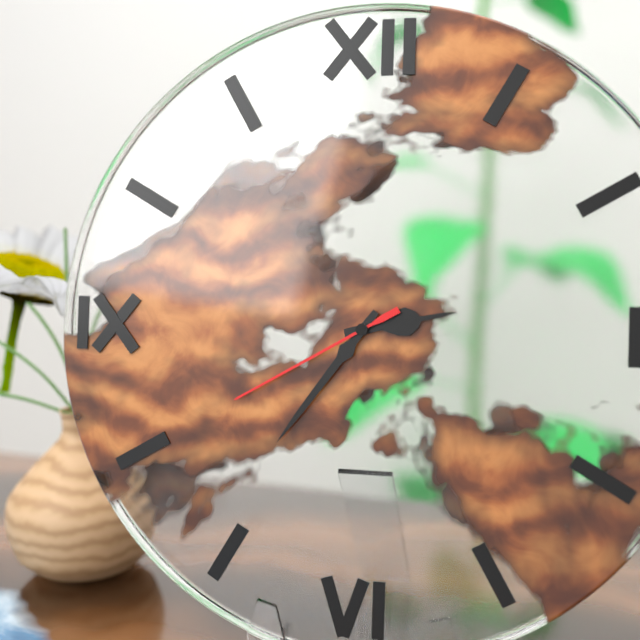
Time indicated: 2:36:40
